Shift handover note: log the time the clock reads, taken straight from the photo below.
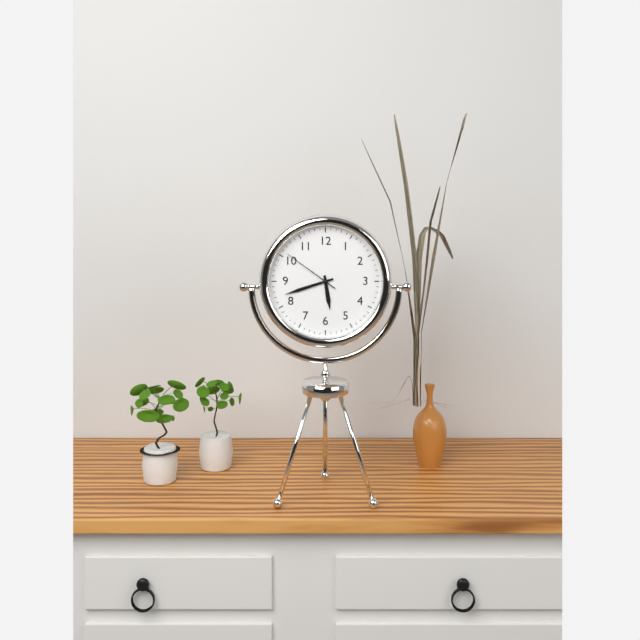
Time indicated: 5:42:51
